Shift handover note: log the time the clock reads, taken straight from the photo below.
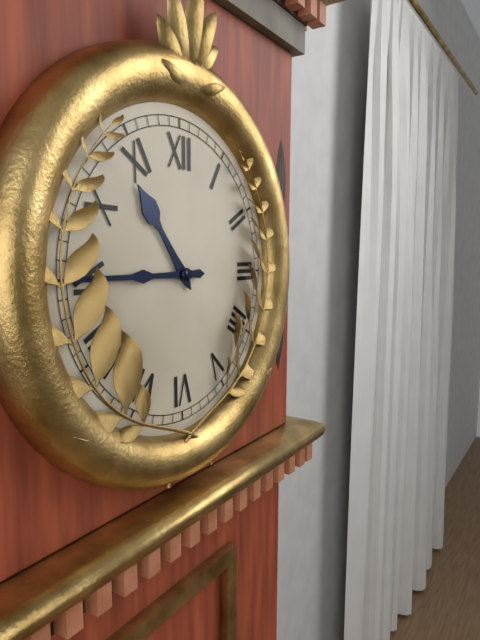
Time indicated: 10:45
